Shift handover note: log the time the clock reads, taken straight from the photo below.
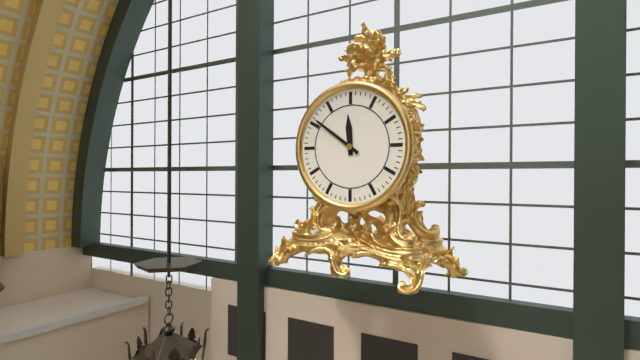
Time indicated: 11:51
